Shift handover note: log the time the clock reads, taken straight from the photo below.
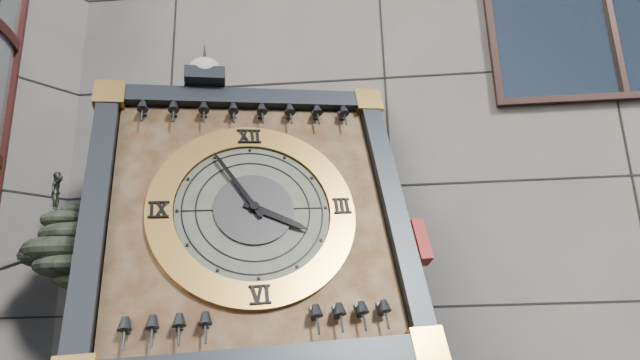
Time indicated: 3:55
